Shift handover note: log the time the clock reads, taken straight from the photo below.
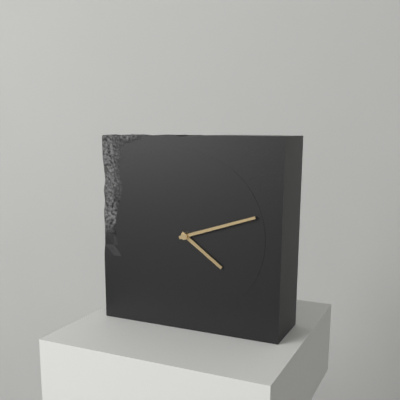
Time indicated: 4:12
